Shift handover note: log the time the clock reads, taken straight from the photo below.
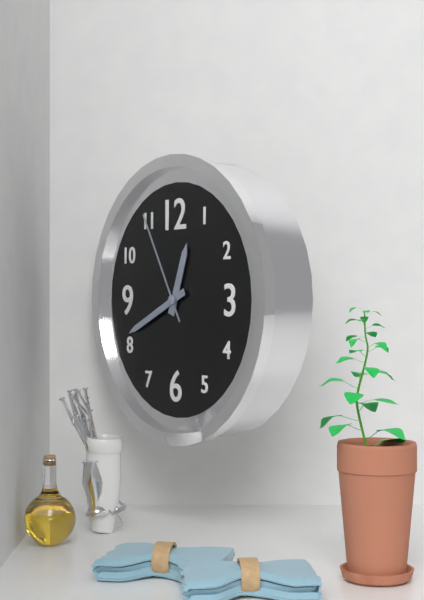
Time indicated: 12:41:55
